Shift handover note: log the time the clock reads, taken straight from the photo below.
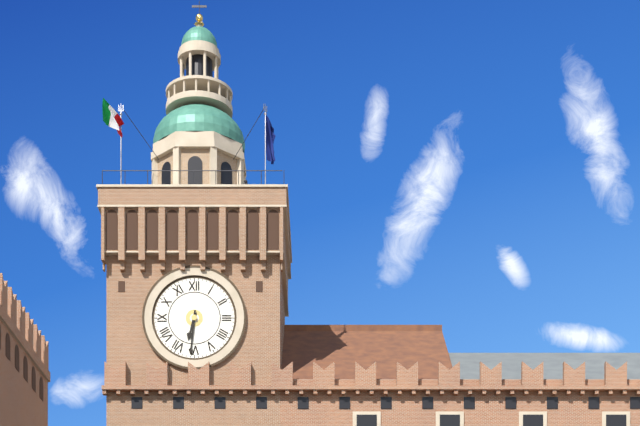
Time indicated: 6:31
